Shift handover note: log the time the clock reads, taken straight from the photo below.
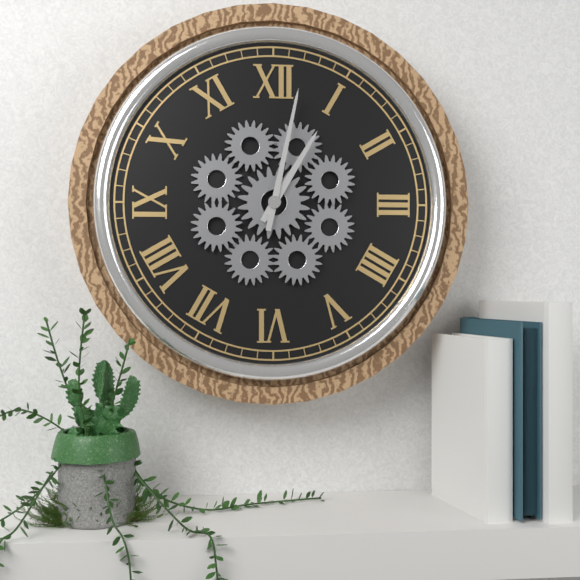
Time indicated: 1:02
